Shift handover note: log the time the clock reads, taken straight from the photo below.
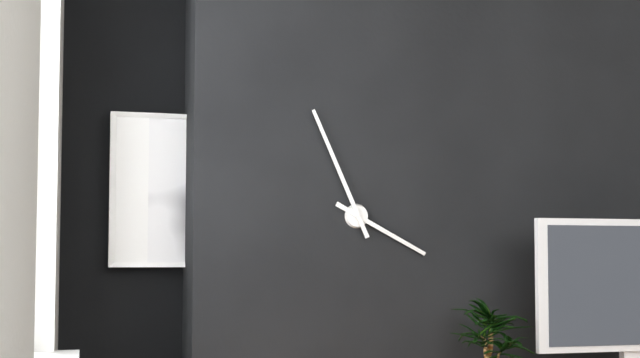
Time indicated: 3:56
